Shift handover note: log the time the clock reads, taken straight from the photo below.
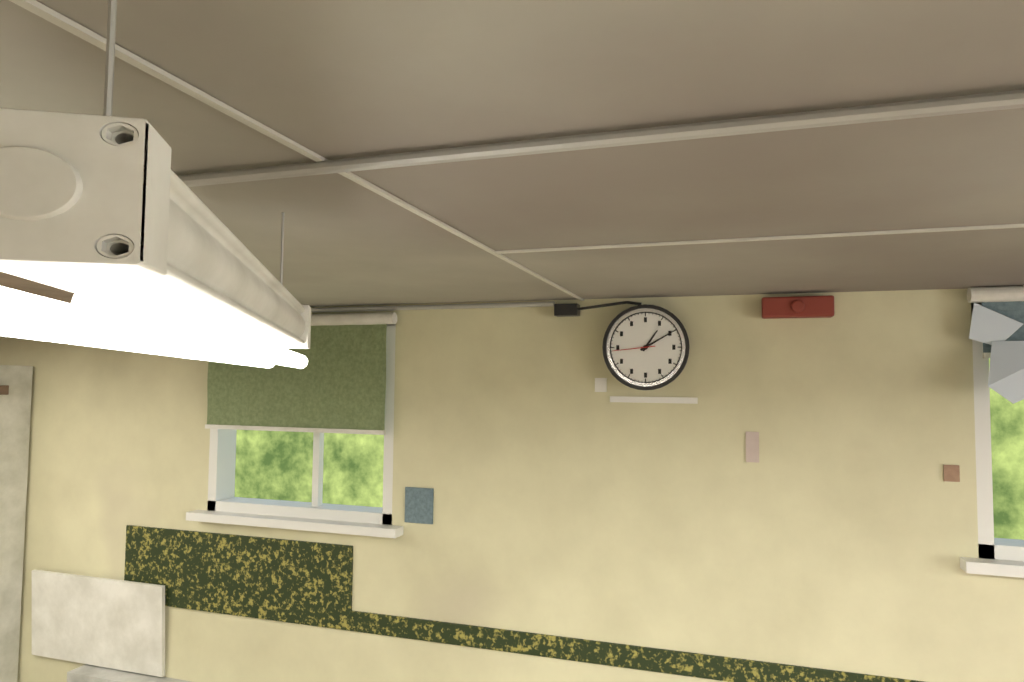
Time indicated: 1:10
